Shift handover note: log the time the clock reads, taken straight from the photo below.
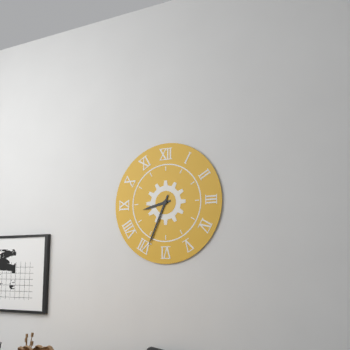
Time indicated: 8:34
